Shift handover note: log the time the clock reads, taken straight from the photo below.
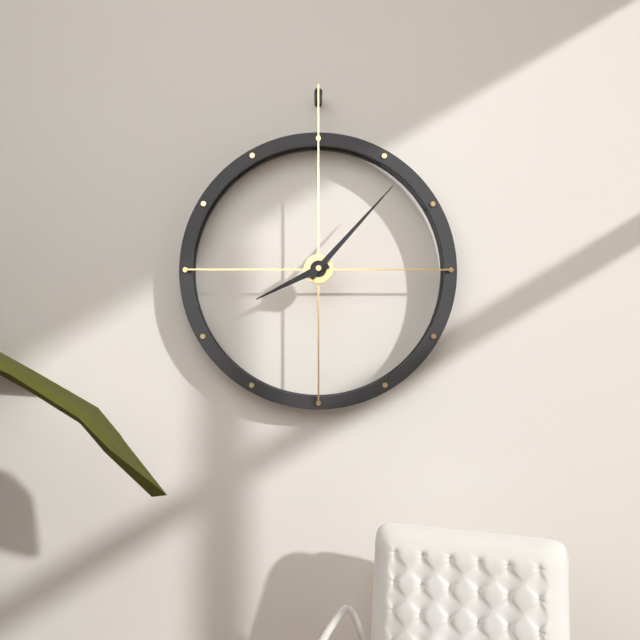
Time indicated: 8:07
